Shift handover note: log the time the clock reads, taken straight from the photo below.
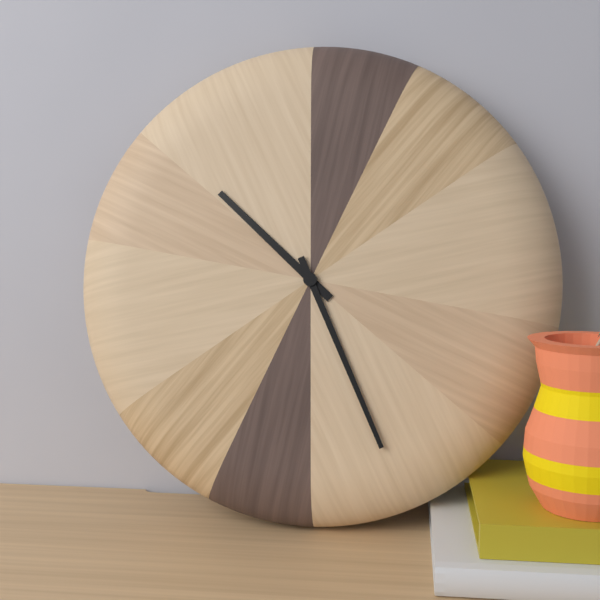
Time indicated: 10:26
